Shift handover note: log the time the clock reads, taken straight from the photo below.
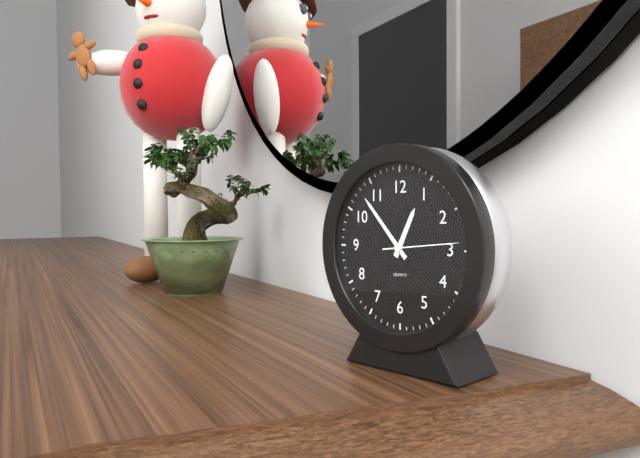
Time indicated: 12:53:14
